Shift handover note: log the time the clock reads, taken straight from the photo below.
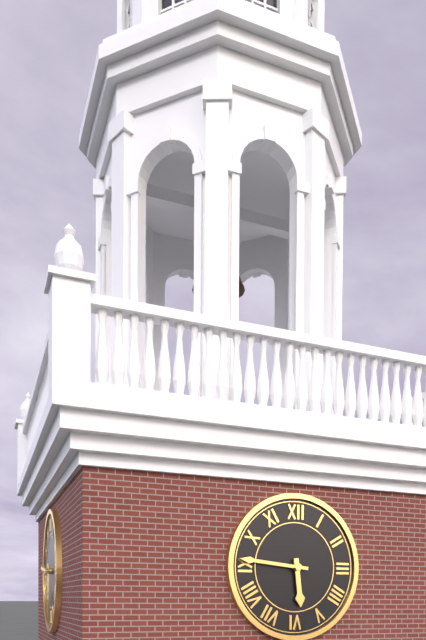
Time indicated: 5:46
